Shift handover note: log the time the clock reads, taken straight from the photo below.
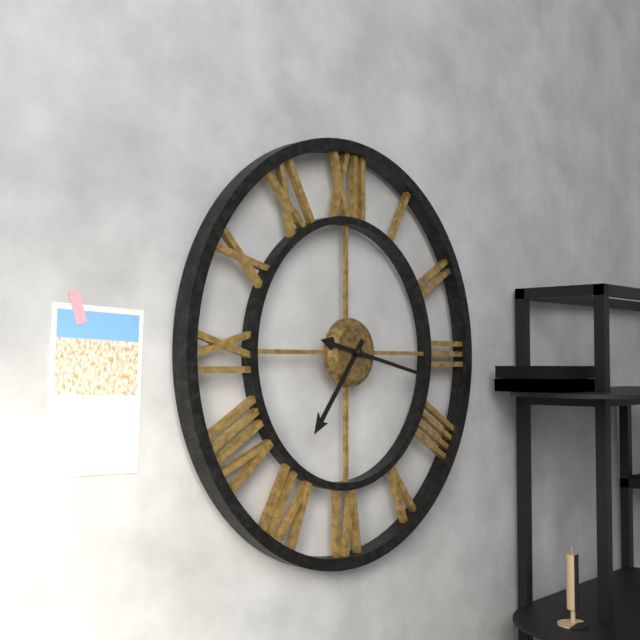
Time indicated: 7:17
